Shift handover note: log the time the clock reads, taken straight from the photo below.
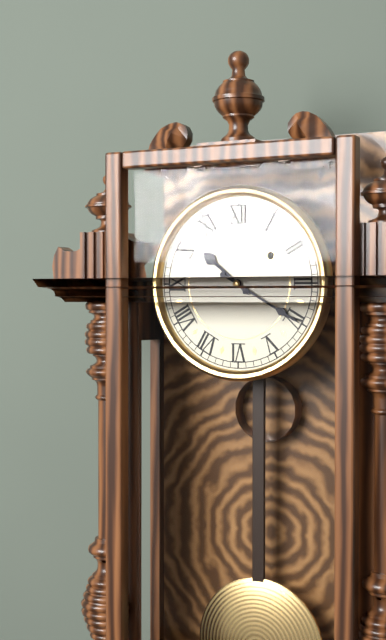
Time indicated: 10:20
